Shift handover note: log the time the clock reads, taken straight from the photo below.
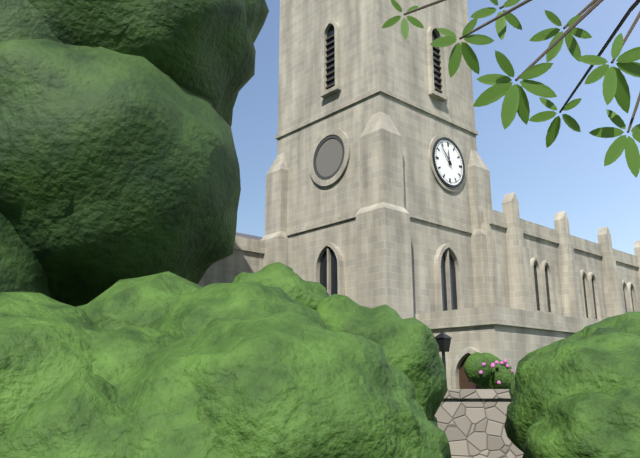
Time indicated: 11:53
